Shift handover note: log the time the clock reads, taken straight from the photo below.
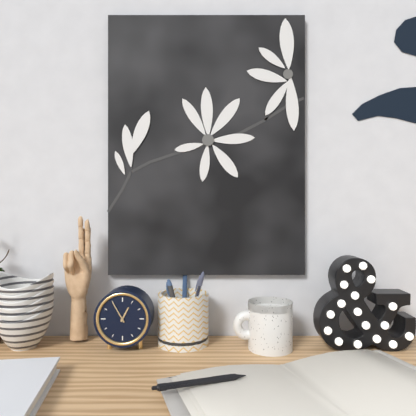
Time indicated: 12:55
